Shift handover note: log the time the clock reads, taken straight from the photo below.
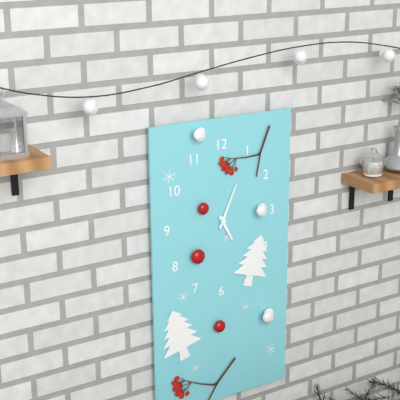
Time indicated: 5:04
